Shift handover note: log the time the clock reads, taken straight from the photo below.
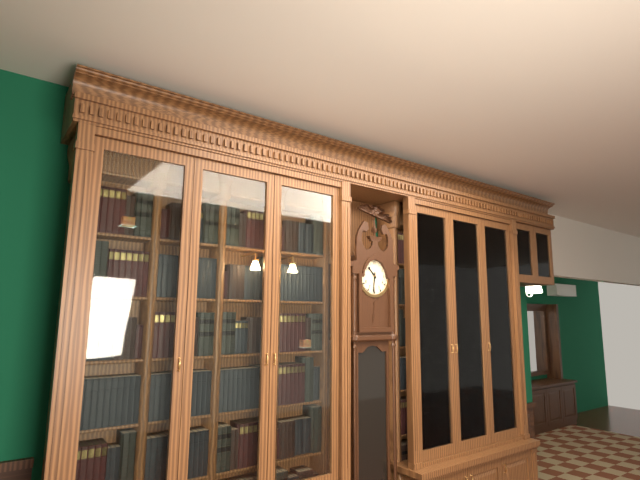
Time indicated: 10:31
